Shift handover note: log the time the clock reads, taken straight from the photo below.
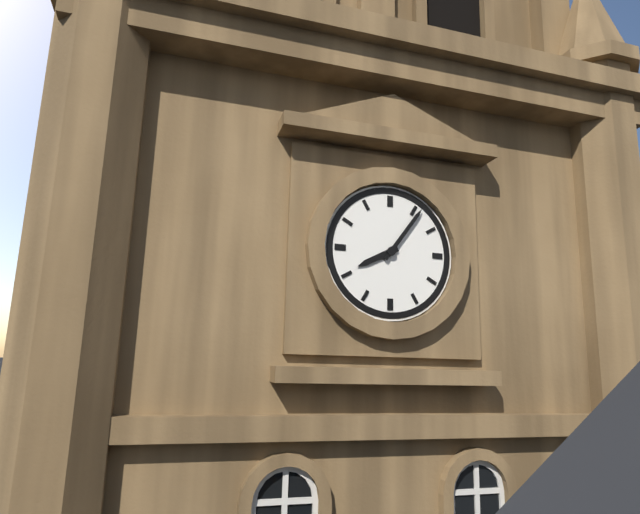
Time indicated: 8:06
